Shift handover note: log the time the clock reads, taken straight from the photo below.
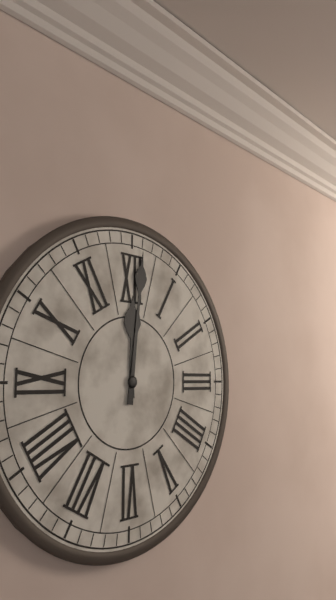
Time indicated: 12:01
